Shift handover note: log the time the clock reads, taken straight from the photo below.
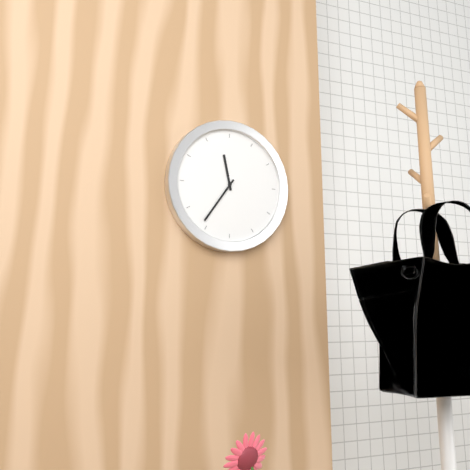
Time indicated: 11:36
